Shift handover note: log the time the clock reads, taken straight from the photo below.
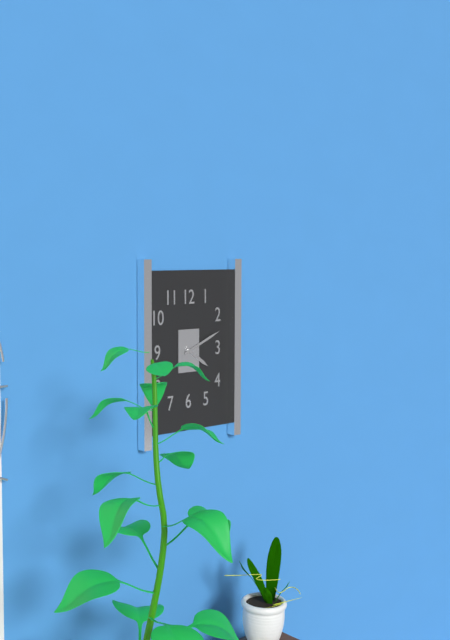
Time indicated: 4:11
